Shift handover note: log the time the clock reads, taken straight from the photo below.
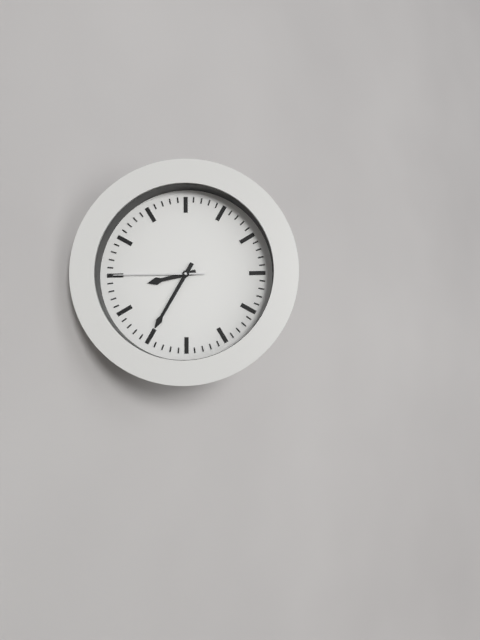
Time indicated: 8:35:45
